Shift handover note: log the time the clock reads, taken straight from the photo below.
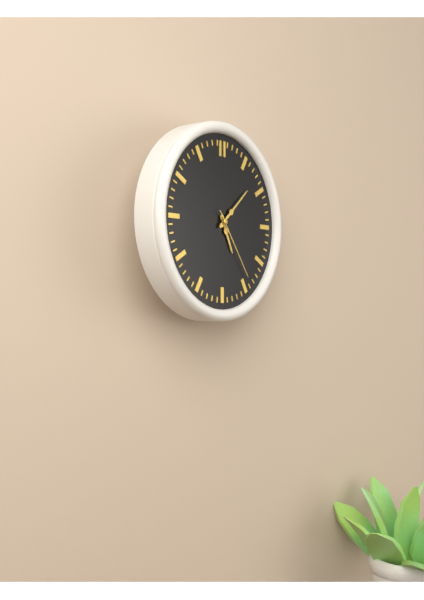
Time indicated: 5:08:24
